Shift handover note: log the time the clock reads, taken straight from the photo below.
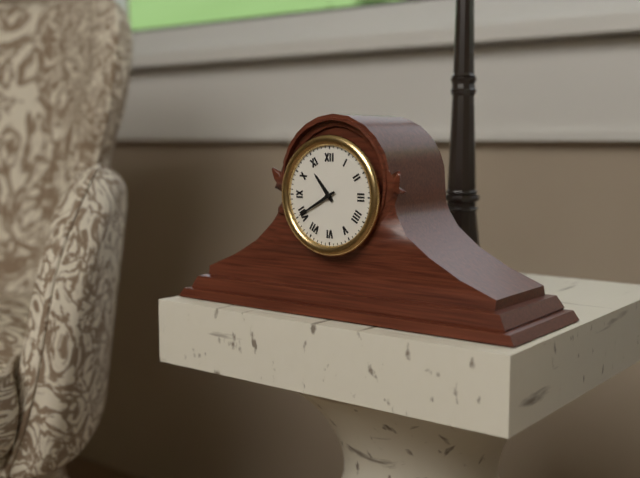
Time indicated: 10:40
